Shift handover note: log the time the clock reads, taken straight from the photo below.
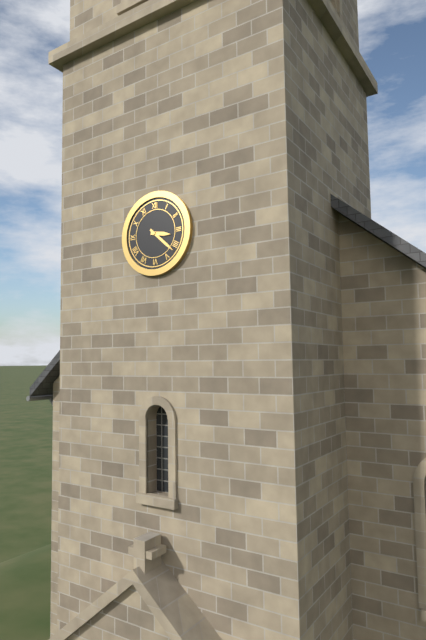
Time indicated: 3:22
